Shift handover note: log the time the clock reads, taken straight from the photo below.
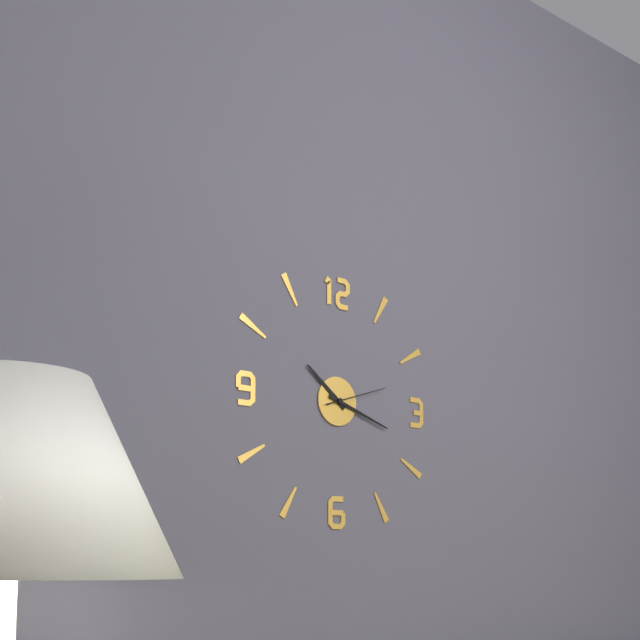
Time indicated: 10:18:12
